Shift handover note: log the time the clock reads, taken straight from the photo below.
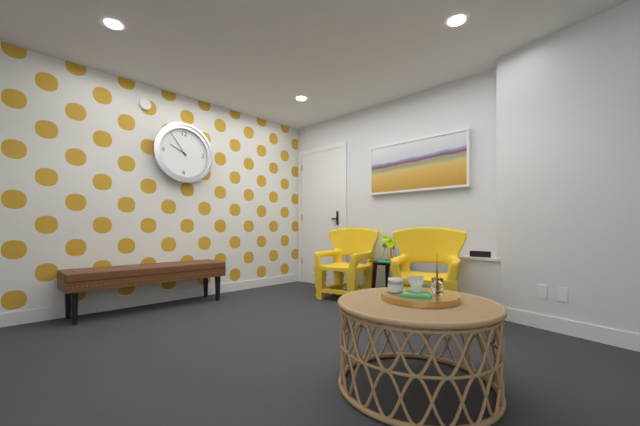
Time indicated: 9:54
